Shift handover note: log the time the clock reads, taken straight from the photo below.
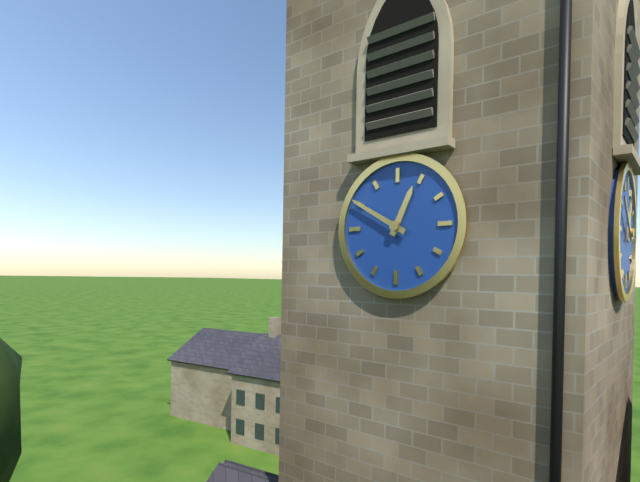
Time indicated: 12:50
